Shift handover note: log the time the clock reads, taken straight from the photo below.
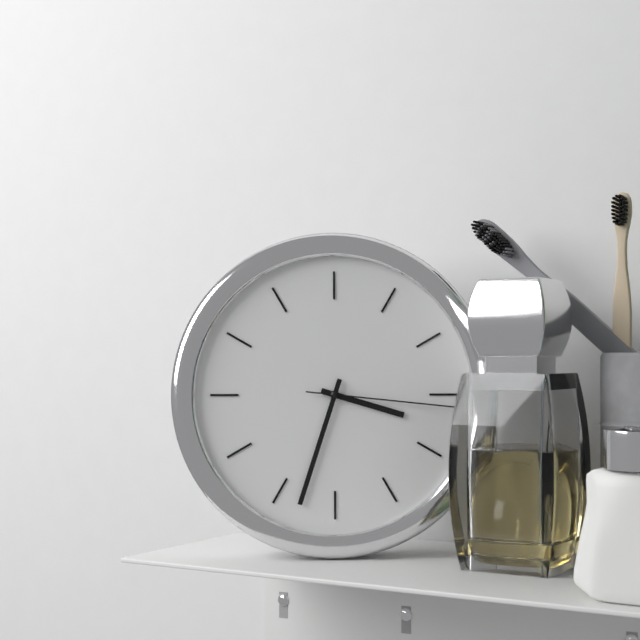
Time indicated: 3:33:16
